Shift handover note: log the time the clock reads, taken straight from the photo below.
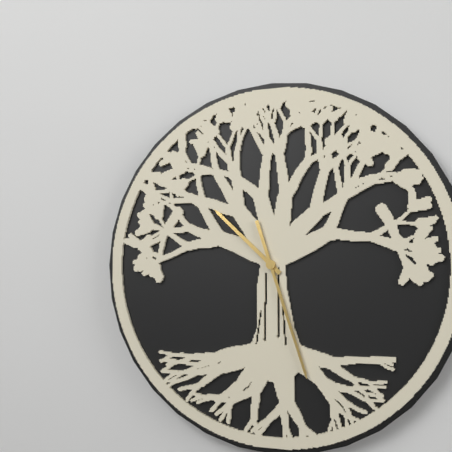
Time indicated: 10:27
